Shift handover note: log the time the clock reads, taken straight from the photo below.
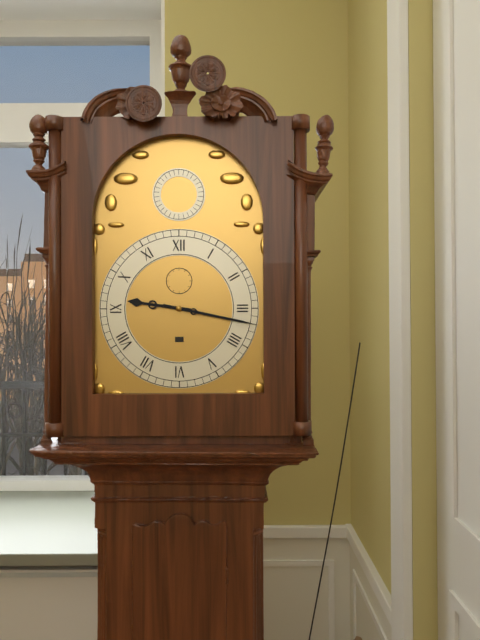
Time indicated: 9:17
